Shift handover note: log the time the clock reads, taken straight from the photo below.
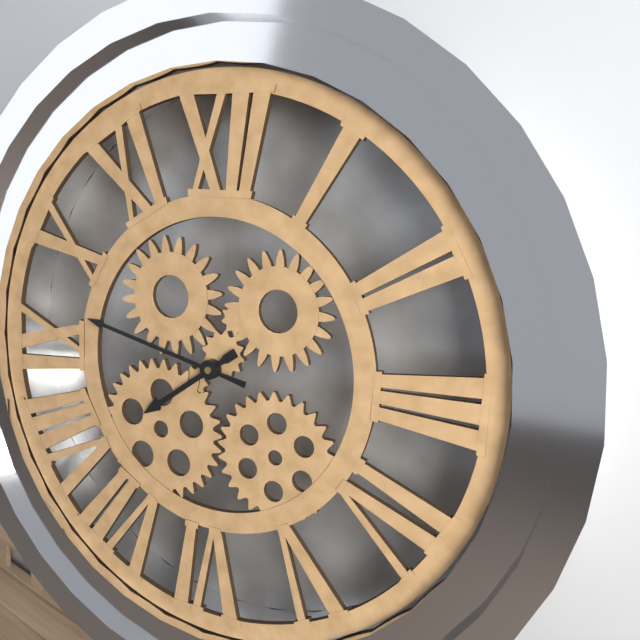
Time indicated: 7:47
